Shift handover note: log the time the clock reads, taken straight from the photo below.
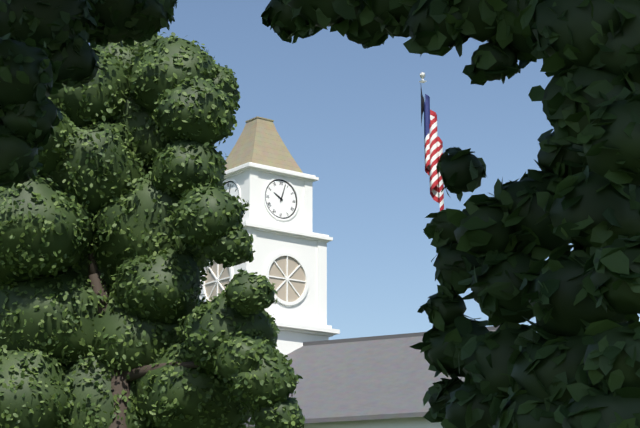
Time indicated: 10:03
